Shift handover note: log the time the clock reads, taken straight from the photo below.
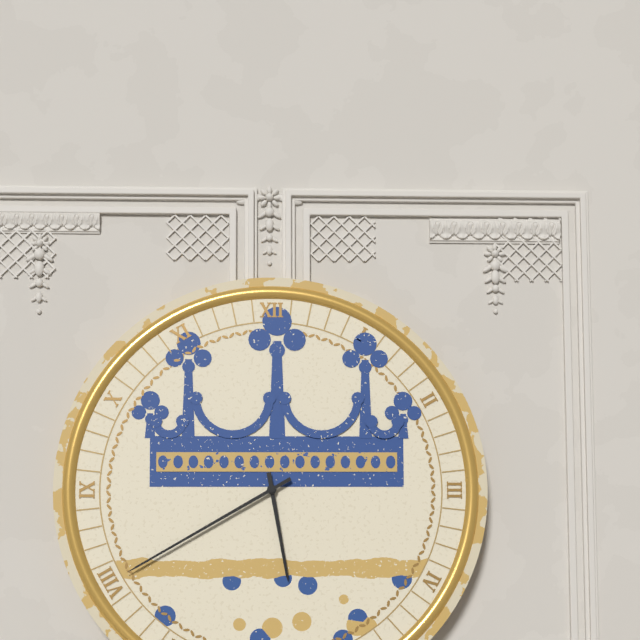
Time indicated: 5:40
